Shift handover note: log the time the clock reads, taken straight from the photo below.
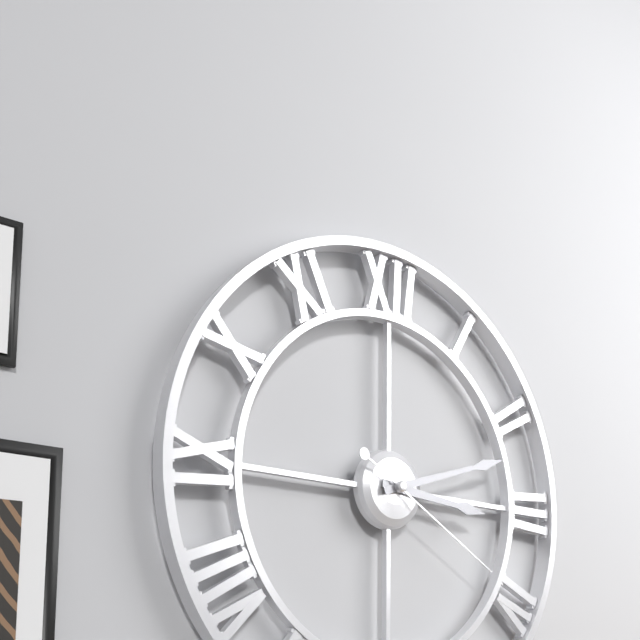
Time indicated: 3:12:20
